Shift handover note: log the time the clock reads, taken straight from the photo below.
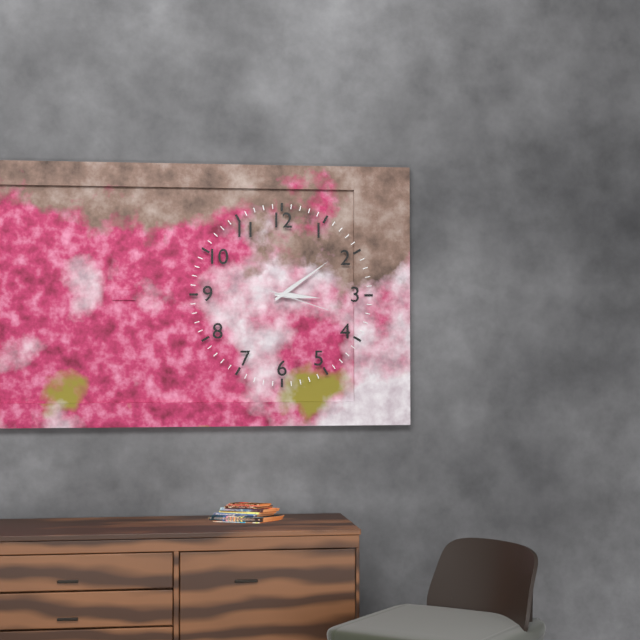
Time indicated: 3:09:18
